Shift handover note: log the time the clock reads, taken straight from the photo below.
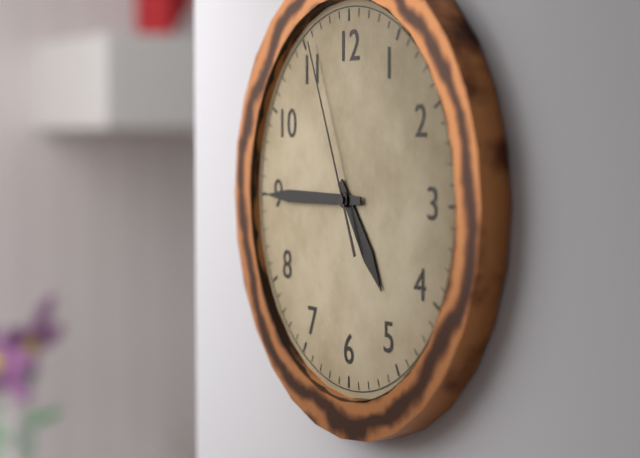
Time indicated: 4:45:56
